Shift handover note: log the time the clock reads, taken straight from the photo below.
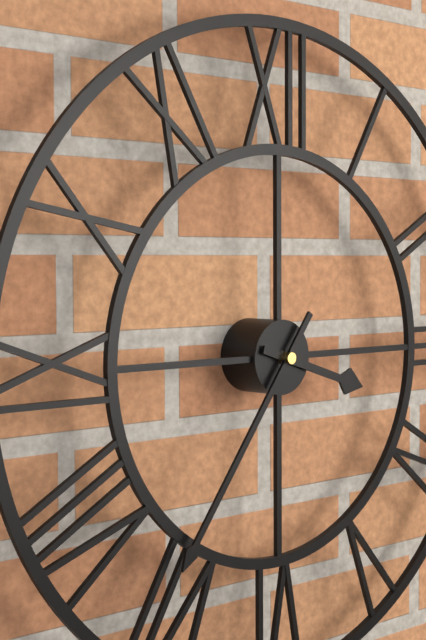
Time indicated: 3:36
